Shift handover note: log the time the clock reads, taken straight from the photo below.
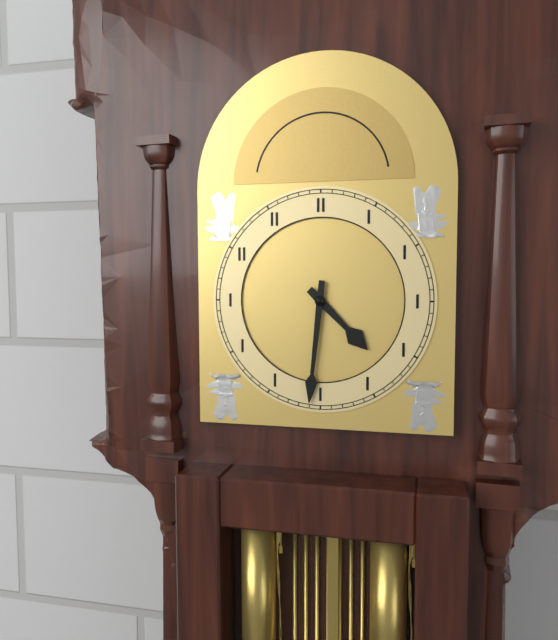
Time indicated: 4:31
